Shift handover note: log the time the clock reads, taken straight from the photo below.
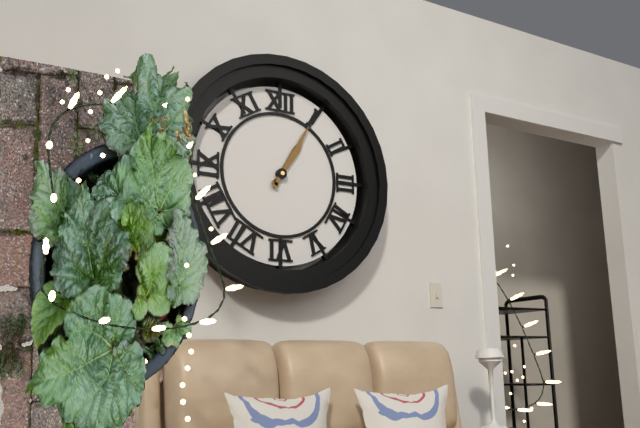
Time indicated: 1:05
